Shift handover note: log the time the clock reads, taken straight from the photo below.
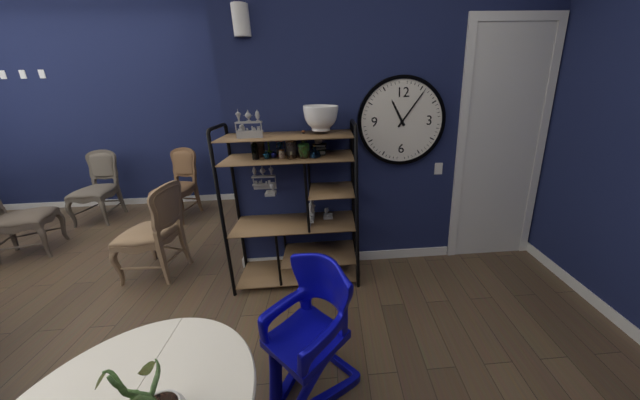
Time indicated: 11:06
